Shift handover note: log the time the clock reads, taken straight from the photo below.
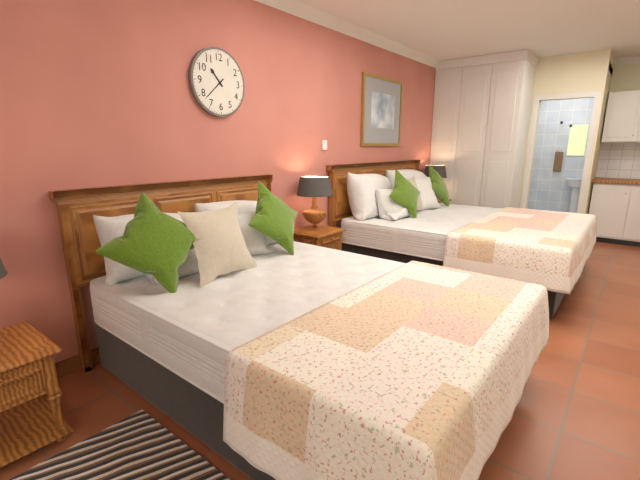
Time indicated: 10:38
